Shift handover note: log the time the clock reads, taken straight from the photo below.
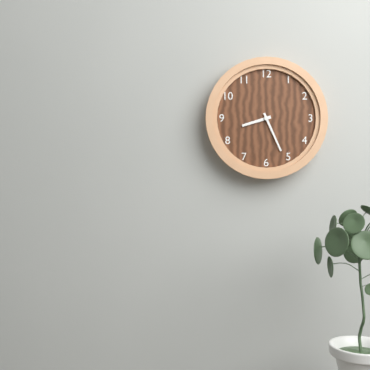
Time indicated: 8:26
